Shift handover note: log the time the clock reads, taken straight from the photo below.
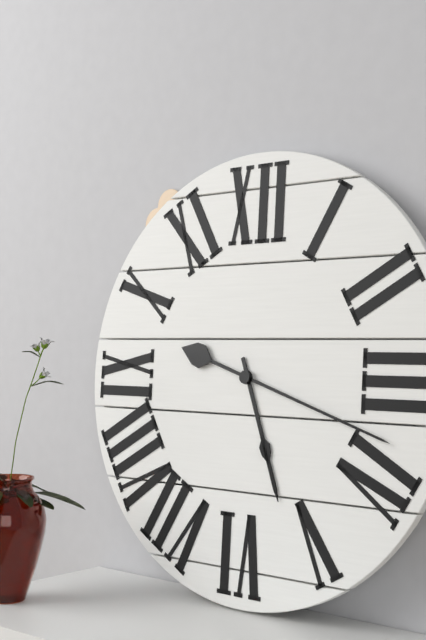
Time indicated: 5:18
